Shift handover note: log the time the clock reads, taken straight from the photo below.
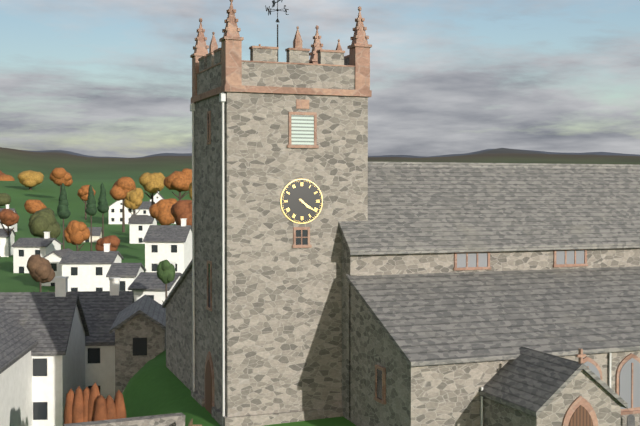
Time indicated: 4:21
